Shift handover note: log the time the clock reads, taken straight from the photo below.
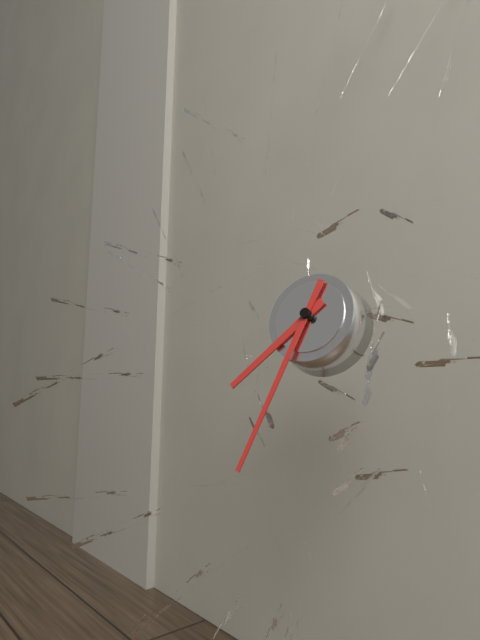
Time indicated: 7:33
